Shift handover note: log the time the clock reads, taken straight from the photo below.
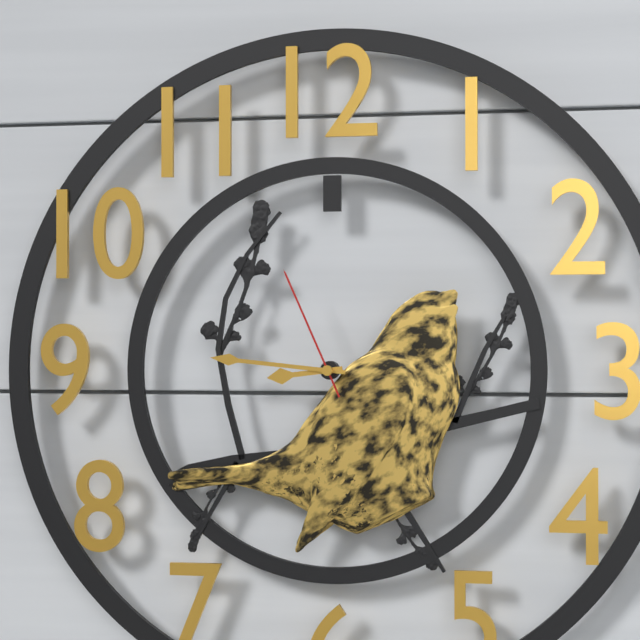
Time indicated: 8:46:56
